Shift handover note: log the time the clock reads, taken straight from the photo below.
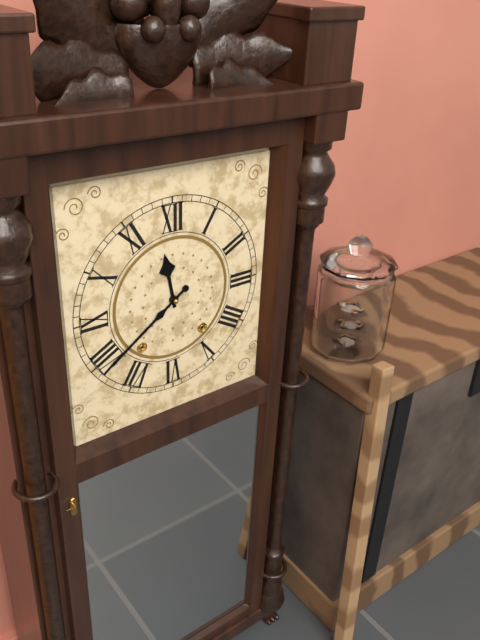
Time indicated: 11:39
